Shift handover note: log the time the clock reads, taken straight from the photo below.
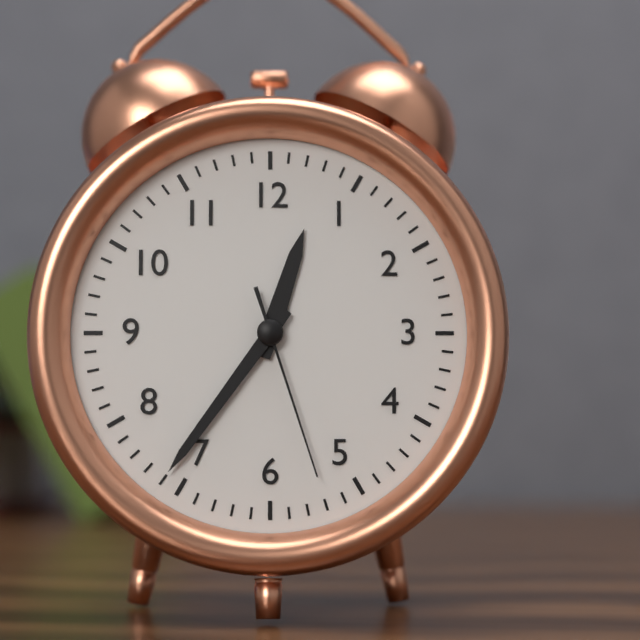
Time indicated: 12:36:27
